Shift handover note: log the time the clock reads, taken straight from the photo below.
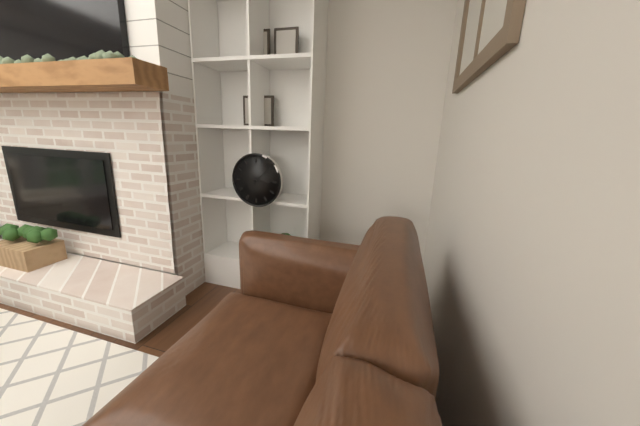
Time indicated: 3:08
